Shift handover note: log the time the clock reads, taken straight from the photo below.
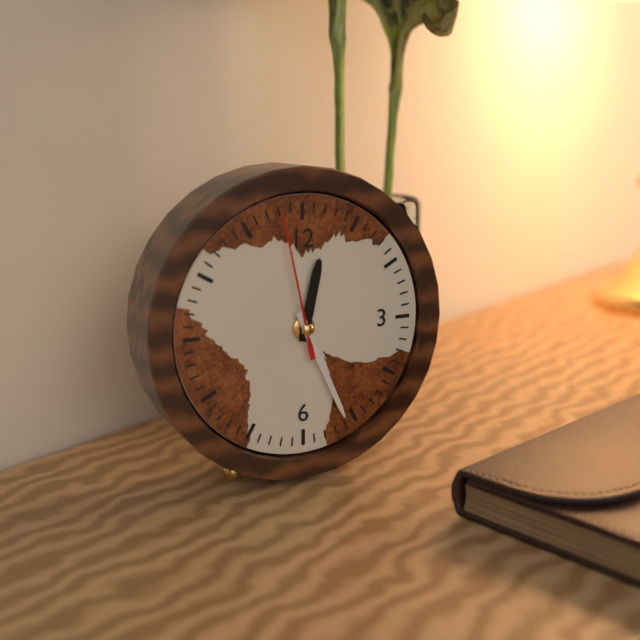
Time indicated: 12:26:58
